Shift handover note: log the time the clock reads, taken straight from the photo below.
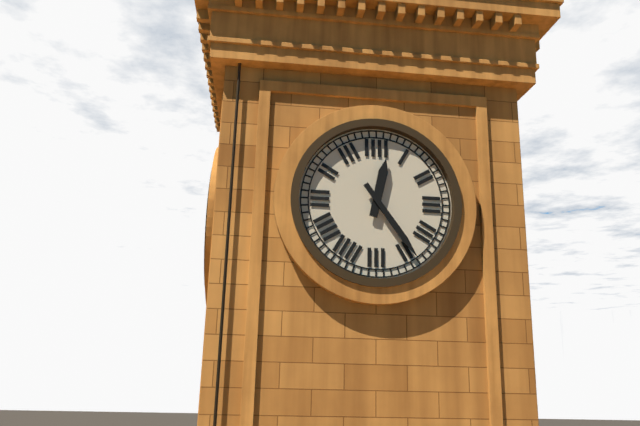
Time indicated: 12:24
